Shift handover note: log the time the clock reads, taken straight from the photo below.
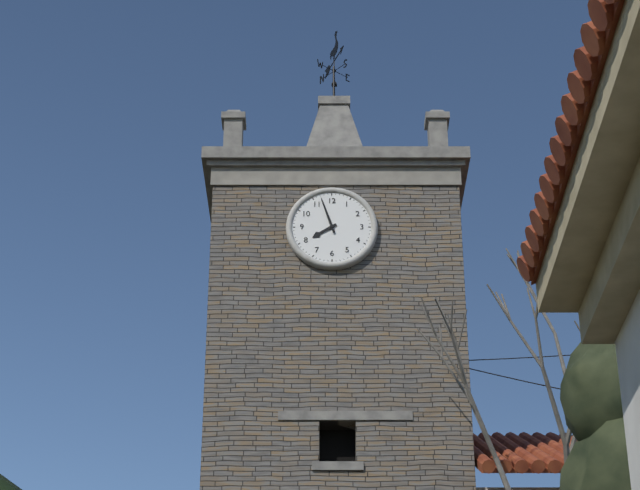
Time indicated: 7:57
